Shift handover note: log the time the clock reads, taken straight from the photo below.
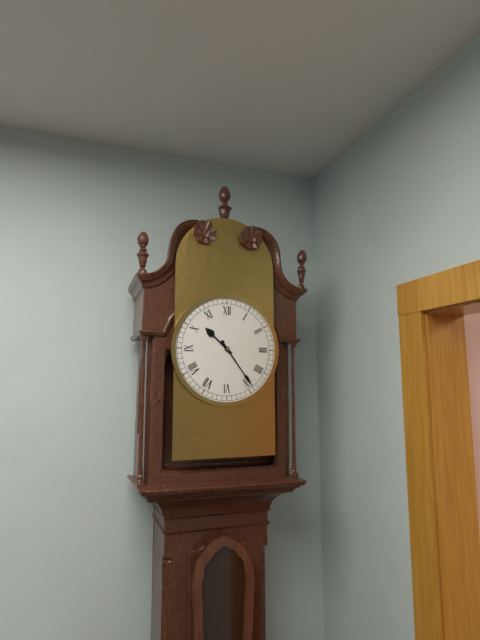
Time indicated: 10:24
